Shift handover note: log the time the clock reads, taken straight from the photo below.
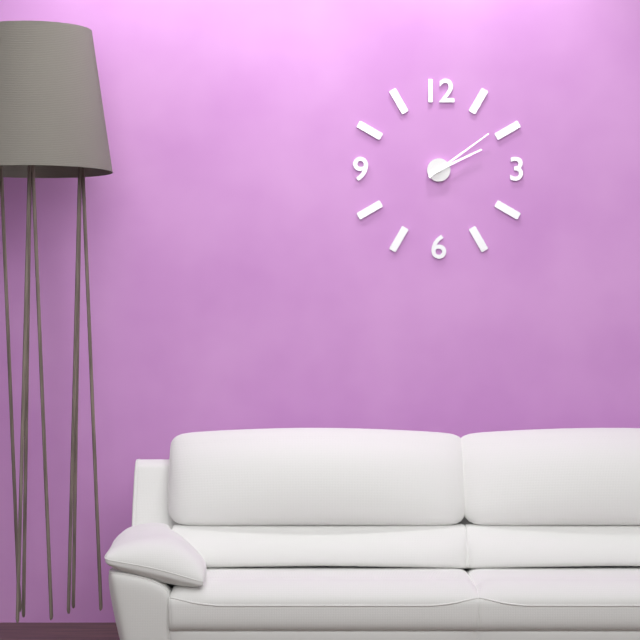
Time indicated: 2:09
